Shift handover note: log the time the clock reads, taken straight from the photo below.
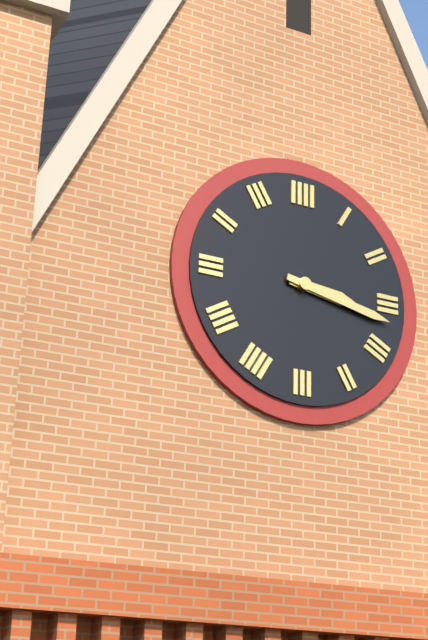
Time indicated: 3:17
